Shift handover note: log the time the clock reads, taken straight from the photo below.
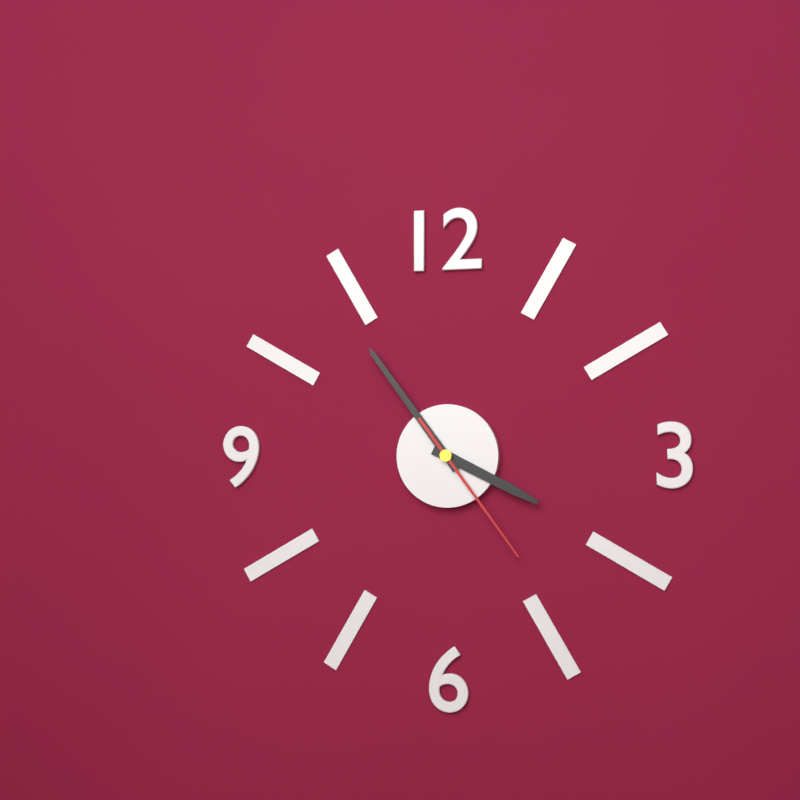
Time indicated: 3:54:24
